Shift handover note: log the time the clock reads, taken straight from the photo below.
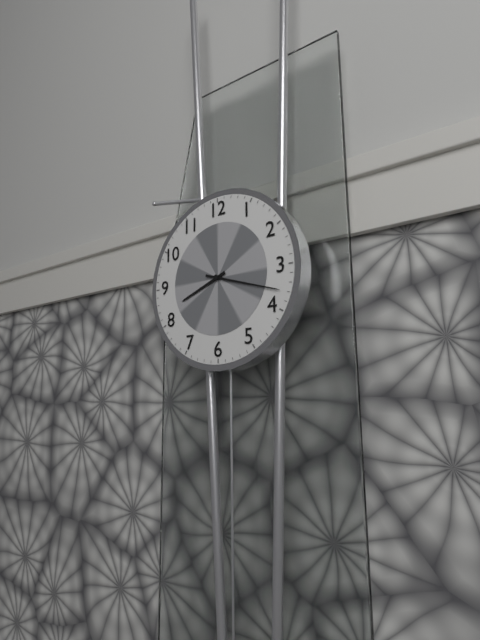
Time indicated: 8:18
